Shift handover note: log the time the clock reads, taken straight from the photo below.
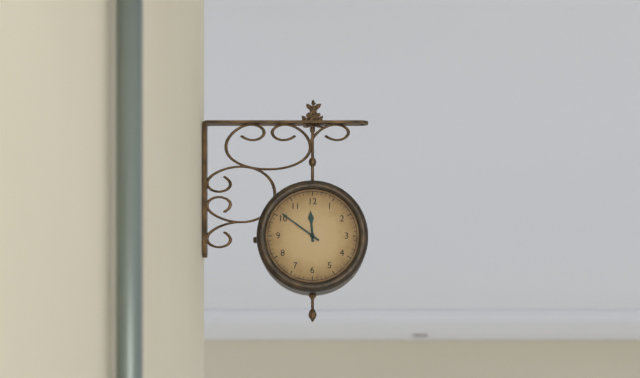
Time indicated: 11:51
